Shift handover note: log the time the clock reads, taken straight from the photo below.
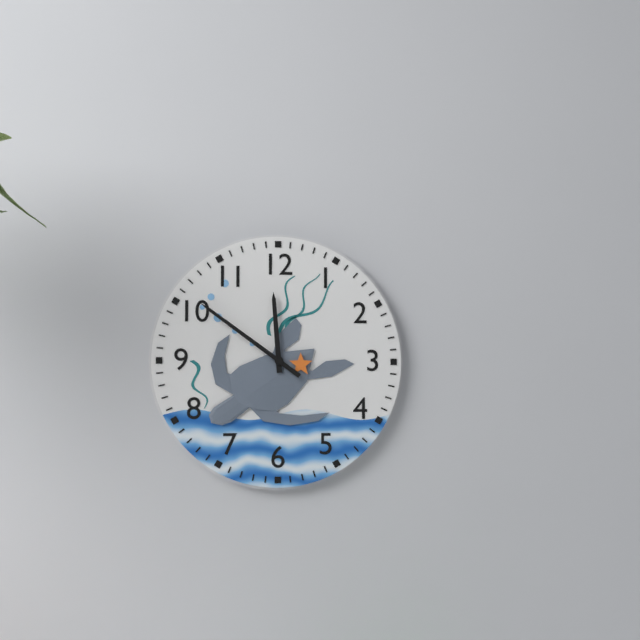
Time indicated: 11:51
